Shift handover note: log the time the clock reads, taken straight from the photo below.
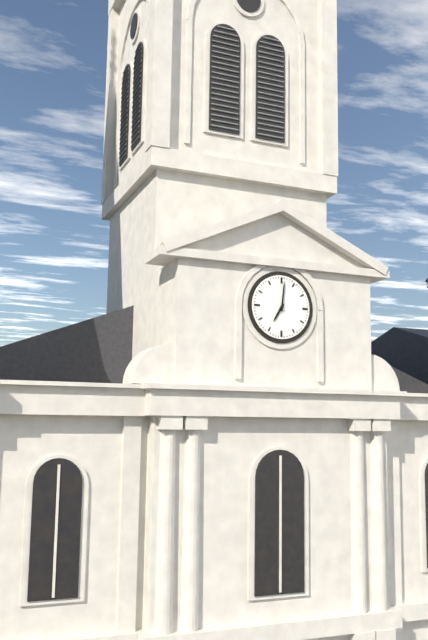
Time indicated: 7:01
